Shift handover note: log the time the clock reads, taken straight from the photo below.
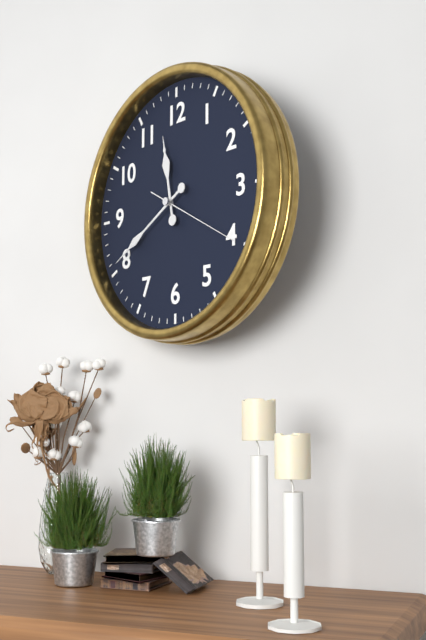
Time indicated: 11:40:20
